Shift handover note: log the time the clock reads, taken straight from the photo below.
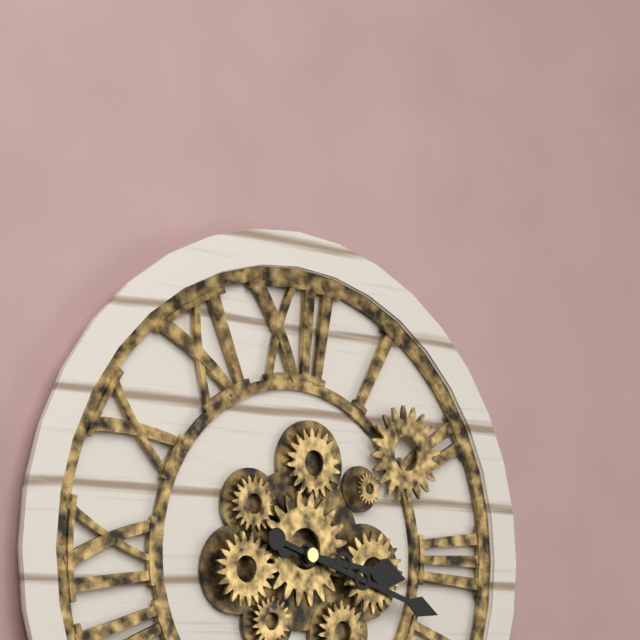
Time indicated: 3:18
